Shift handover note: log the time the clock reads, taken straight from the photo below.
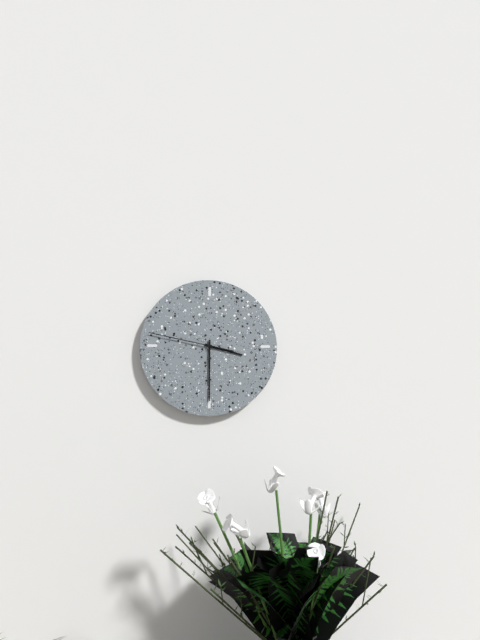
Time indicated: 3:30:47
